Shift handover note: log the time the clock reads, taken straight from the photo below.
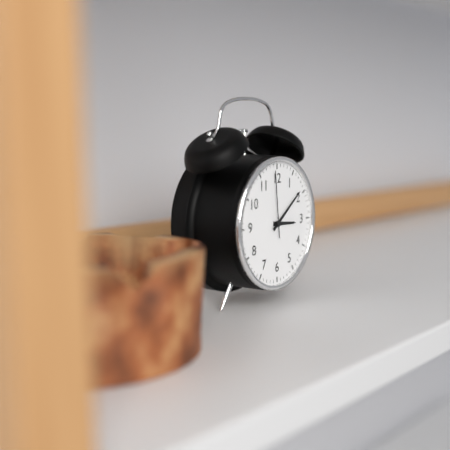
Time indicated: 3:09:59
